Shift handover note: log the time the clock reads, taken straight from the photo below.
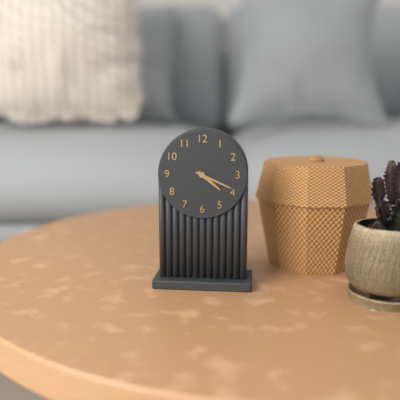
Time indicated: 4:19
